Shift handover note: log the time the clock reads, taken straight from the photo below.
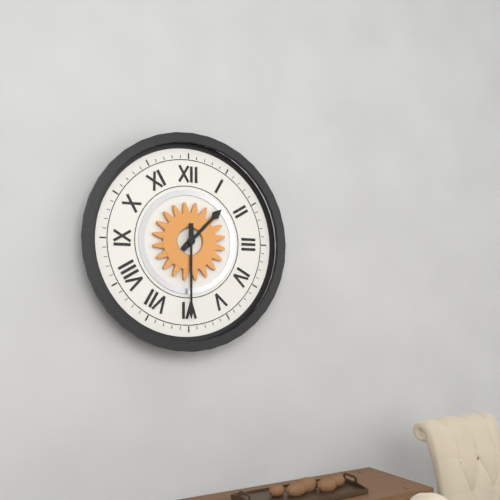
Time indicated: 1:30
